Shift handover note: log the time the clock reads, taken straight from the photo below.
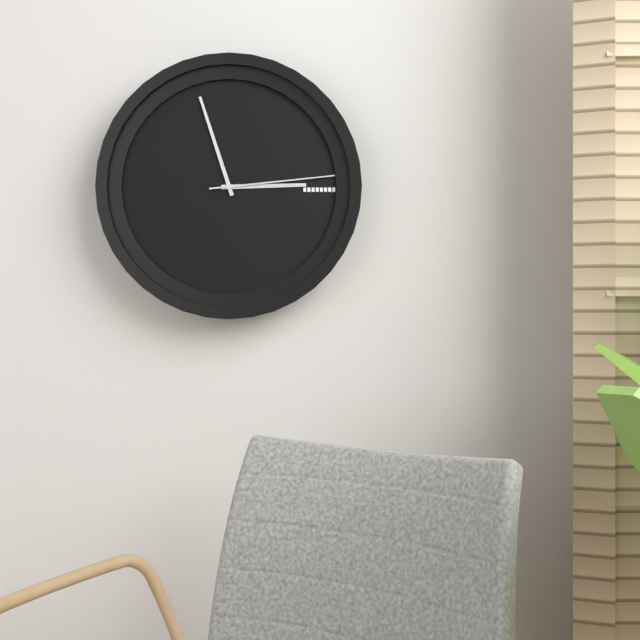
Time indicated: 2:57:14
